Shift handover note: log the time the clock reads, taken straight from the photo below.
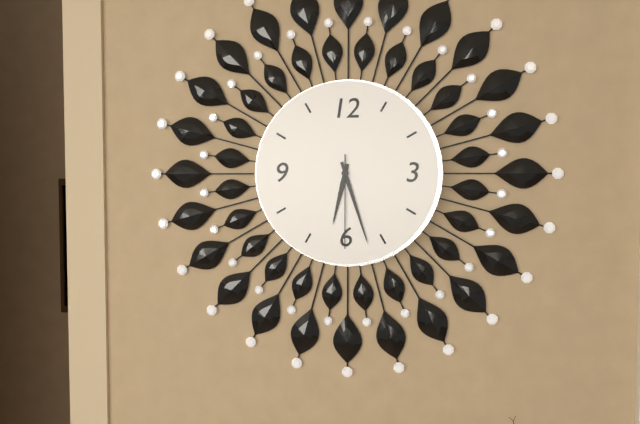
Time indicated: 6:27:30
